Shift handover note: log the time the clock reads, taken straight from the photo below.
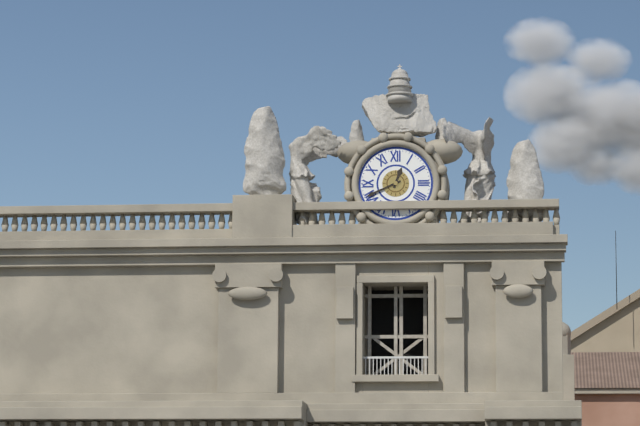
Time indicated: 12:41
